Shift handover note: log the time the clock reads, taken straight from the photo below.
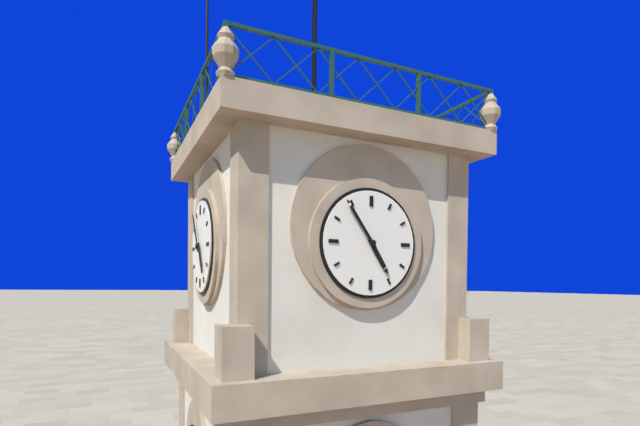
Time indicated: 4:54
